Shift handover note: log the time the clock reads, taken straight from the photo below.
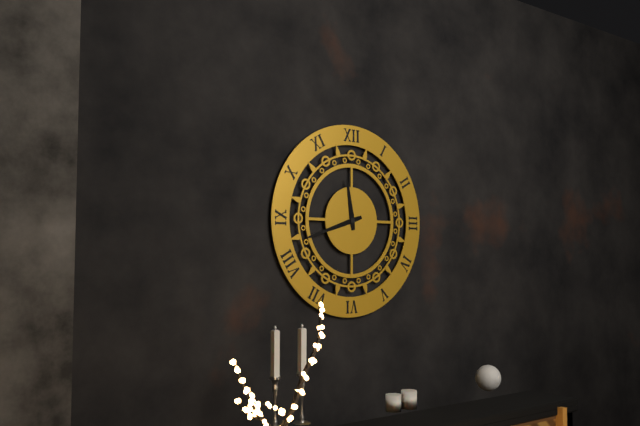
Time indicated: 11:42
